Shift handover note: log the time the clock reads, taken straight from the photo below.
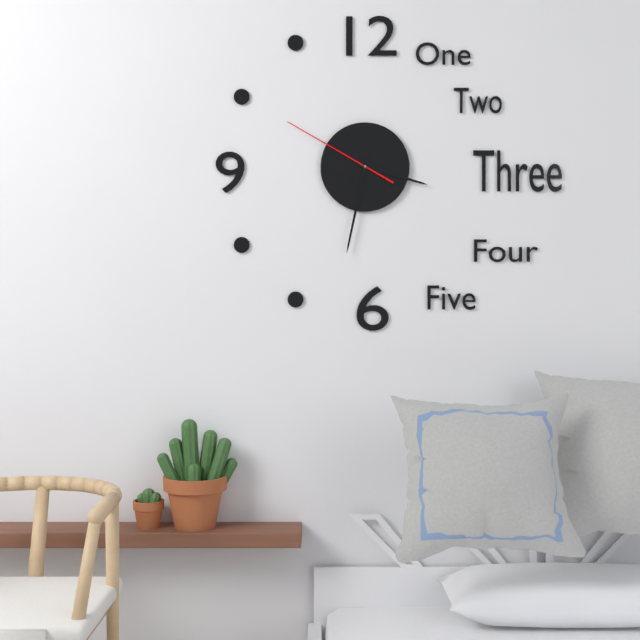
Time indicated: 3:32:50
